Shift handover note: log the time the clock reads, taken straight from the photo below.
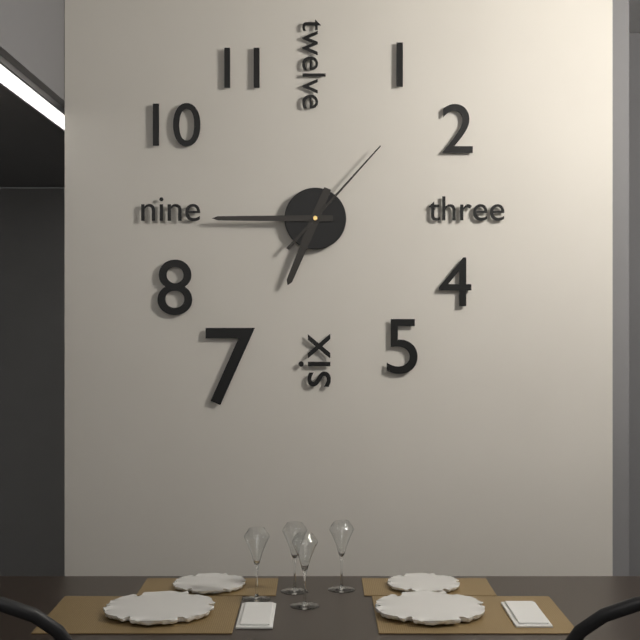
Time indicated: 6:45:07
